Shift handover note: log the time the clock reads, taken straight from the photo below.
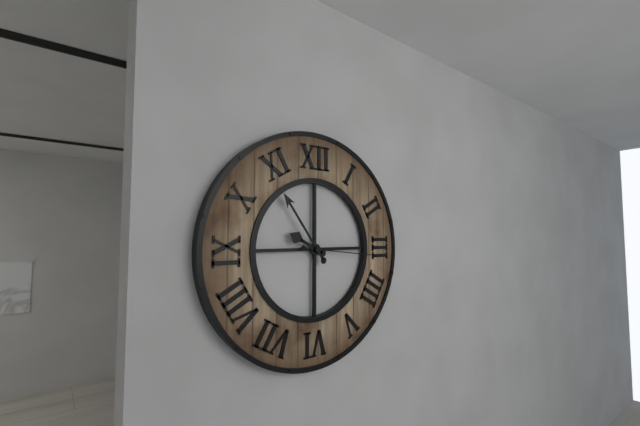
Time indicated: 9:54:16
